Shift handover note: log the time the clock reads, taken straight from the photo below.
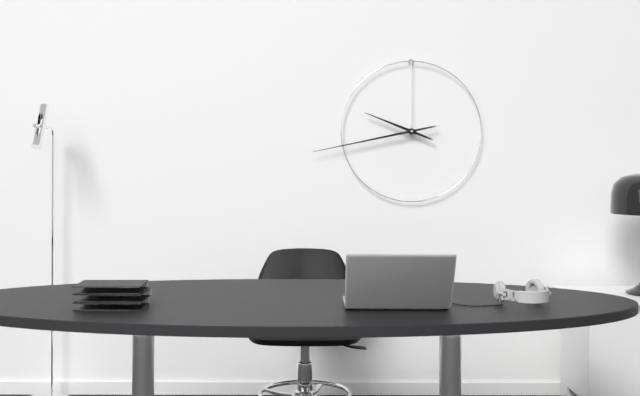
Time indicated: 9:43
